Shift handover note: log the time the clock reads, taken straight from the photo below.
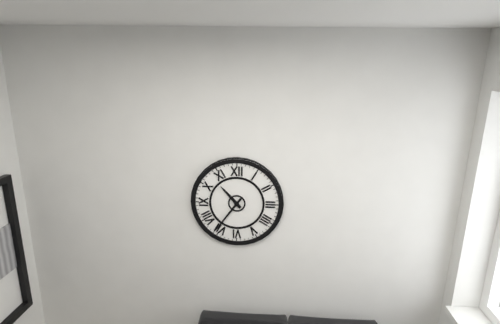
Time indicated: 10:36
